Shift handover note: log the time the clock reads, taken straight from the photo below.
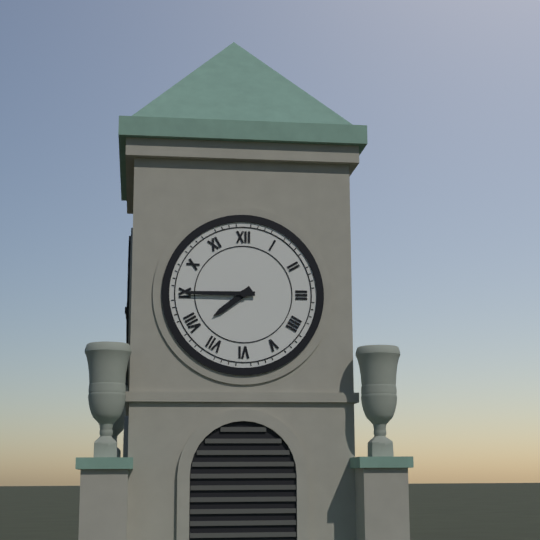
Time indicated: 7:45
